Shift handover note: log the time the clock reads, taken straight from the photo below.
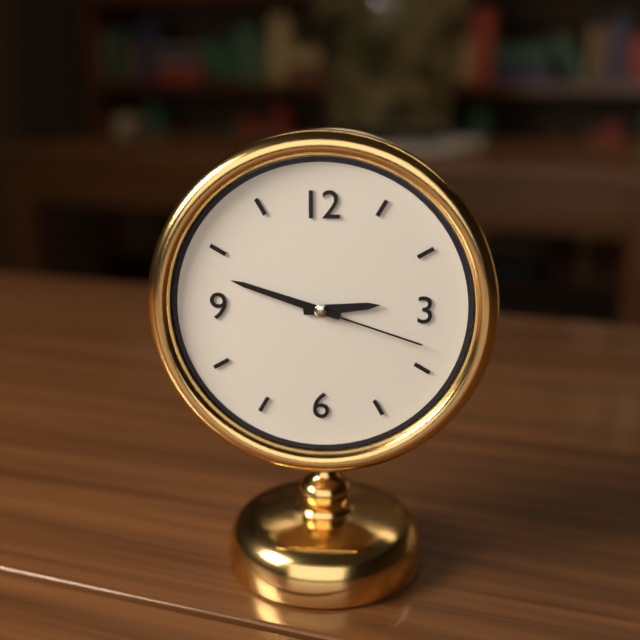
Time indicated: 2:48:18
